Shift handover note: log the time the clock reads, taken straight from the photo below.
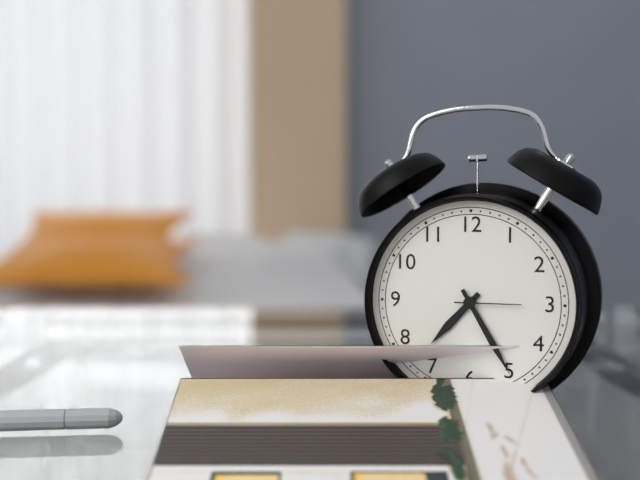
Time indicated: 7:25:15
